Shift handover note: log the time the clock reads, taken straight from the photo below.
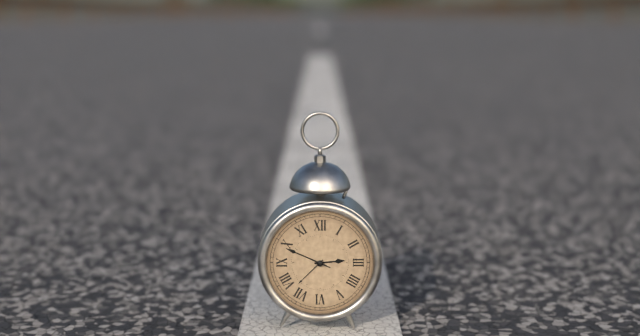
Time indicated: 2:49
